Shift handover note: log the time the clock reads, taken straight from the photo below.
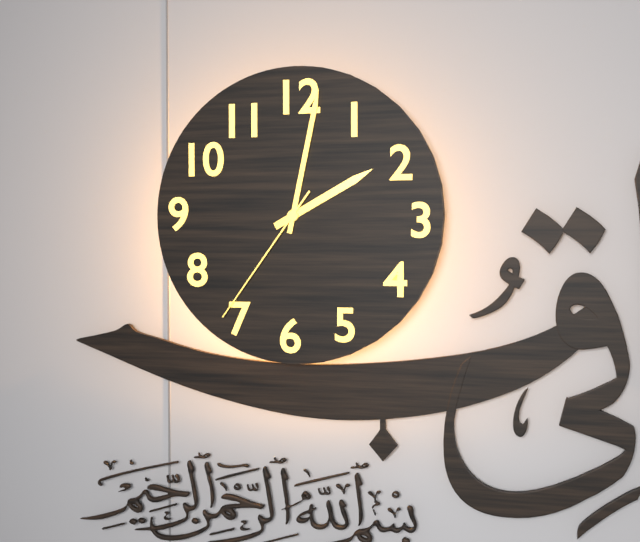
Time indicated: 2:02:36
